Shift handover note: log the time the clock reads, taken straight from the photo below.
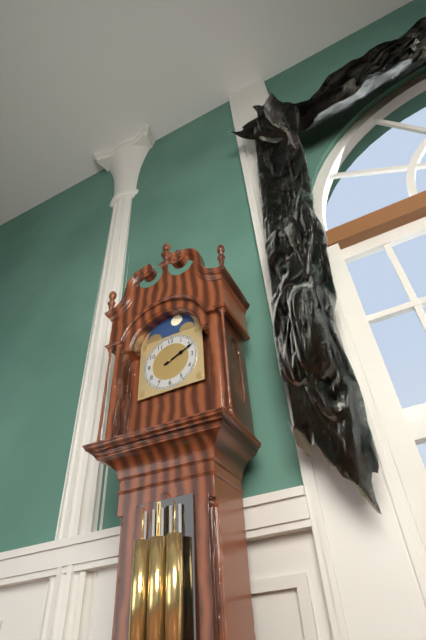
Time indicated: 2:11
